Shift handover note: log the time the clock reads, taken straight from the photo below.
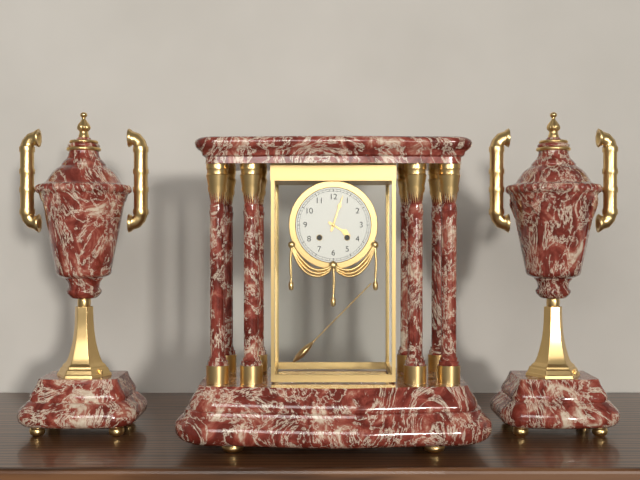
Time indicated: 4:03
